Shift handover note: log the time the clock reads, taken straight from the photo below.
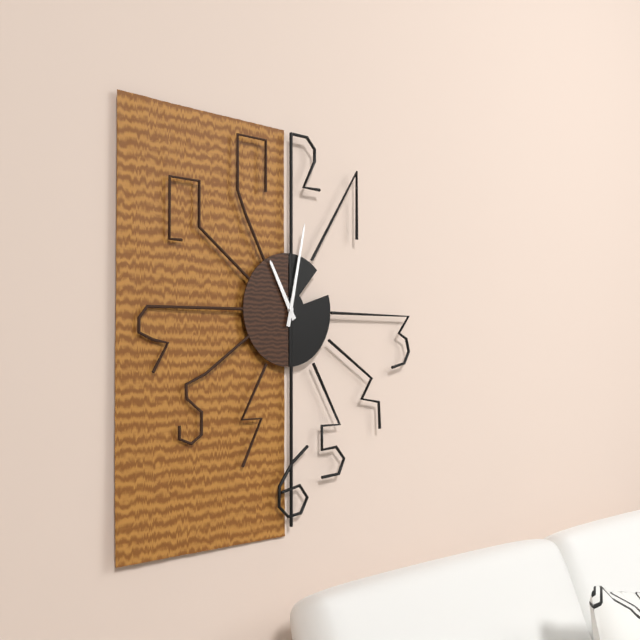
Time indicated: 11:02
